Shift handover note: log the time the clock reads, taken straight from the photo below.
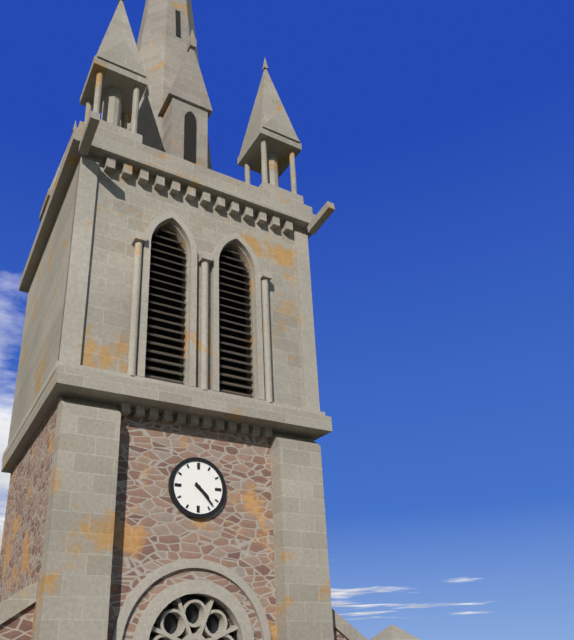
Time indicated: 4:23
